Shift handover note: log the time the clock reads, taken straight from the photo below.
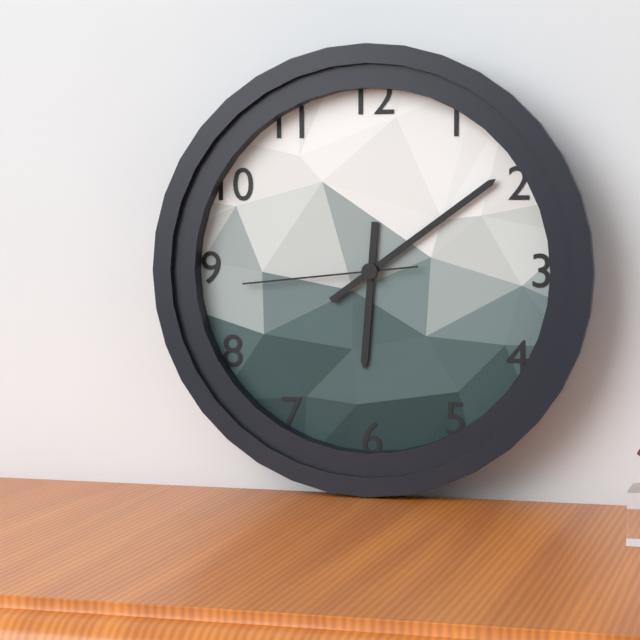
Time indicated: 6:09:44
